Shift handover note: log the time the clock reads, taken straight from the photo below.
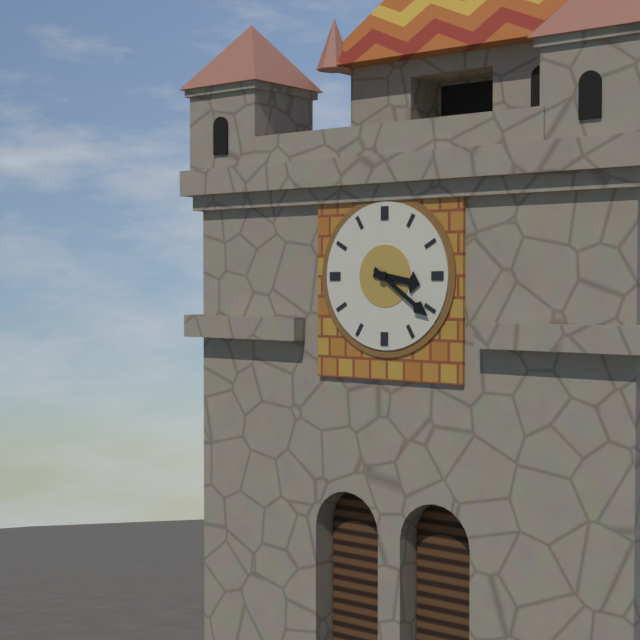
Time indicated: 3:21
